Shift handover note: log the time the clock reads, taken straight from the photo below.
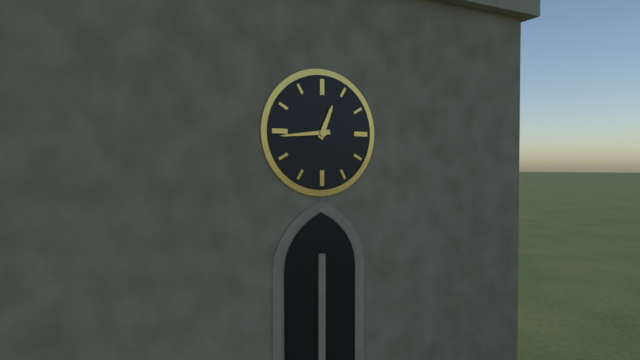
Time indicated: 12:44
